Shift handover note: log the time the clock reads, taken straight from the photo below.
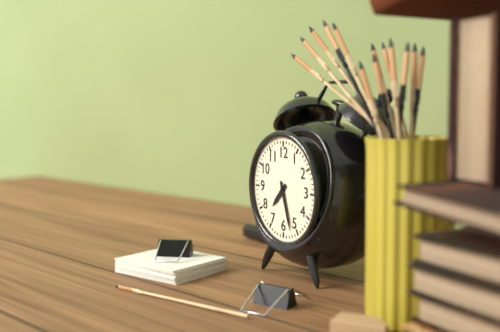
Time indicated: 7:27
